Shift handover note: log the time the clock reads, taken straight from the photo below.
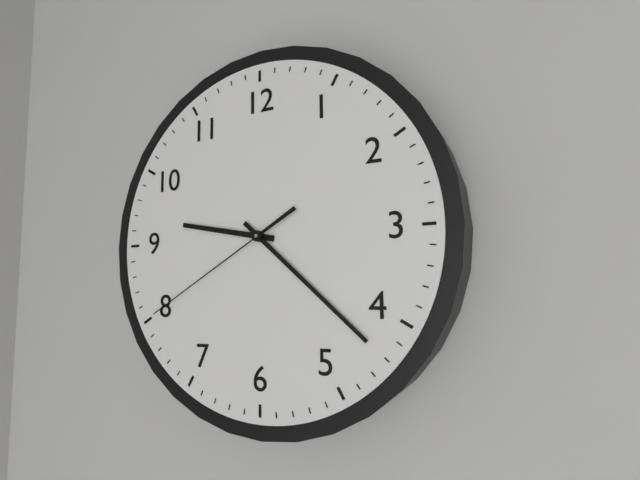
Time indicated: 9:22:40
